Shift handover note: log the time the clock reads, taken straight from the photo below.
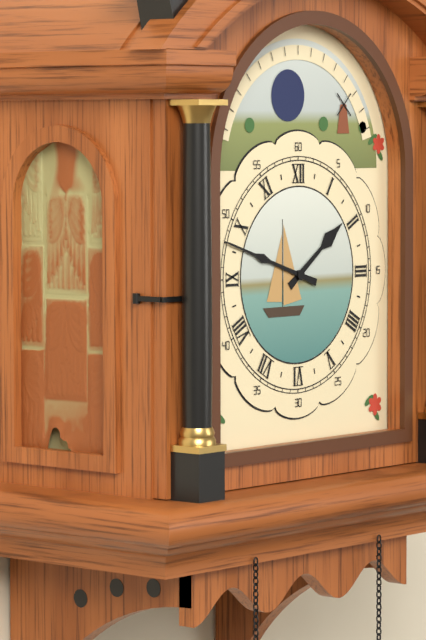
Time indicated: 1:48
